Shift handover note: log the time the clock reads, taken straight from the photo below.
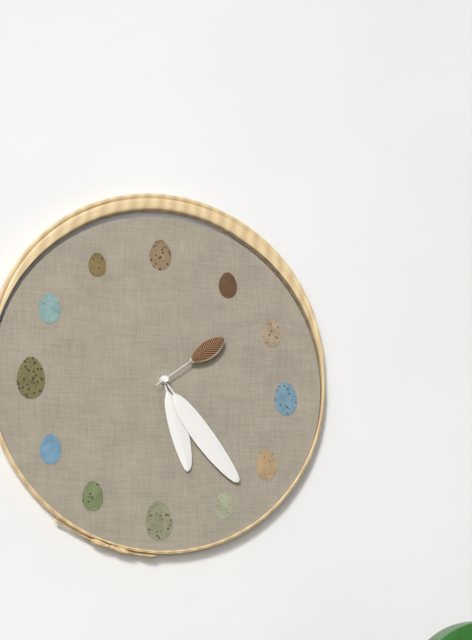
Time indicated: 5:24:09
